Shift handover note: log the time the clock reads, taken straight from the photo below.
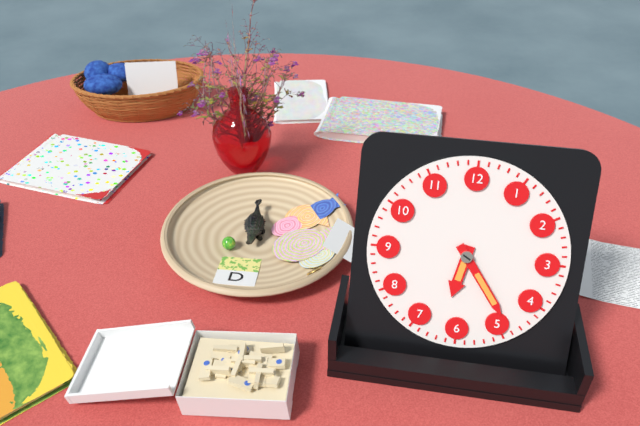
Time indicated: 6:24
